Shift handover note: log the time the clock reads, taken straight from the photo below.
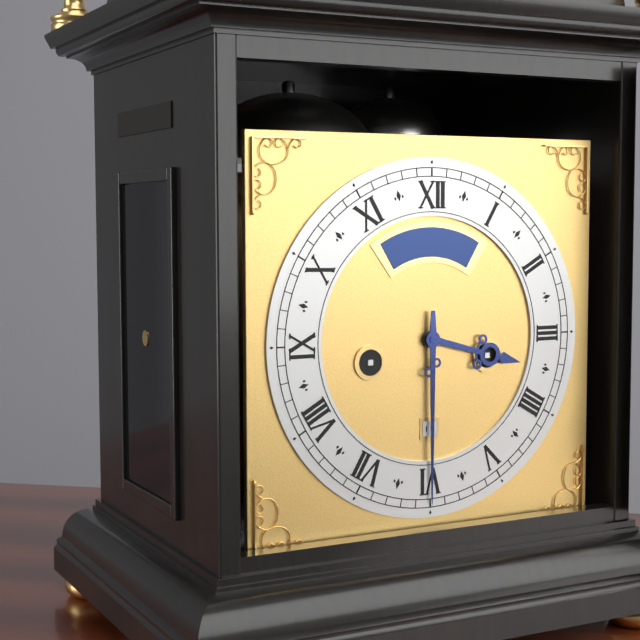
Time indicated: 3:30
